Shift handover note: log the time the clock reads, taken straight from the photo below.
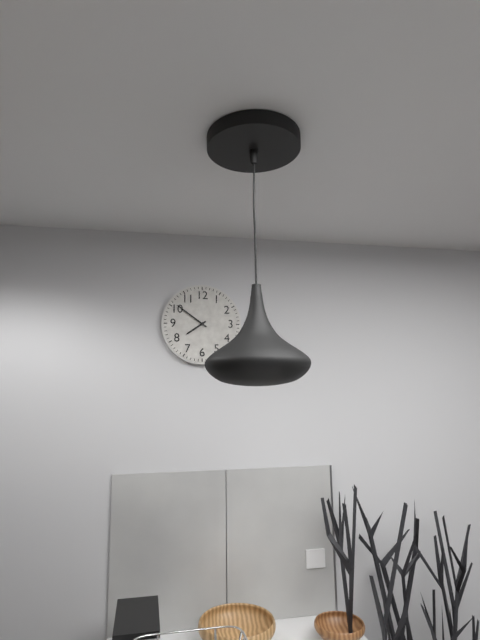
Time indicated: 7:51
